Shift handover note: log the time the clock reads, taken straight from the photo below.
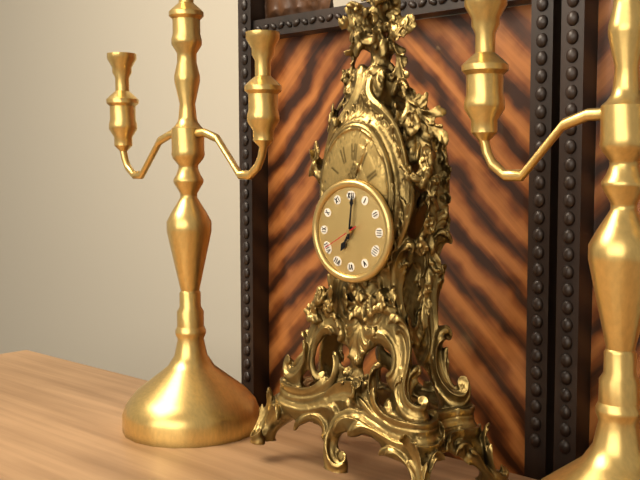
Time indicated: 7:01
